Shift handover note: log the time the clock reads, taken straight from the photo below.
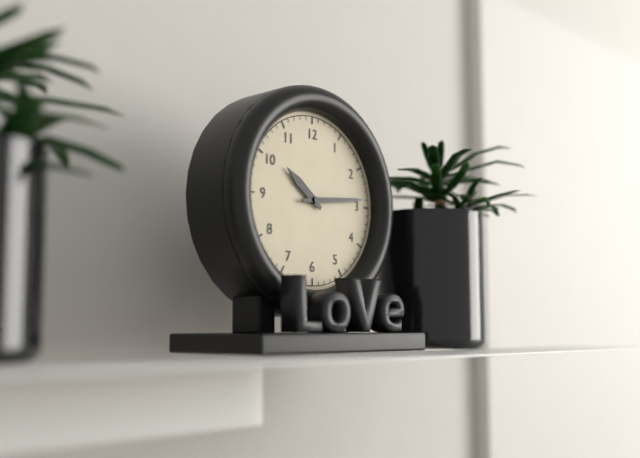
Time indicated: 10:14
